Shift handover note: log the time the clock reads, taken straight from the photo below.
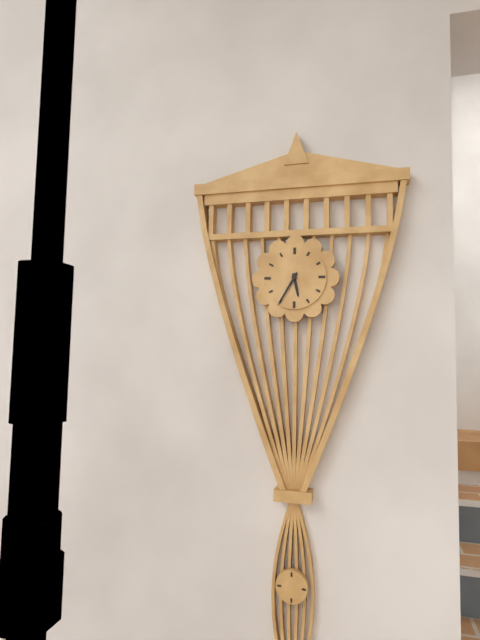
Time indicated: 5:35
